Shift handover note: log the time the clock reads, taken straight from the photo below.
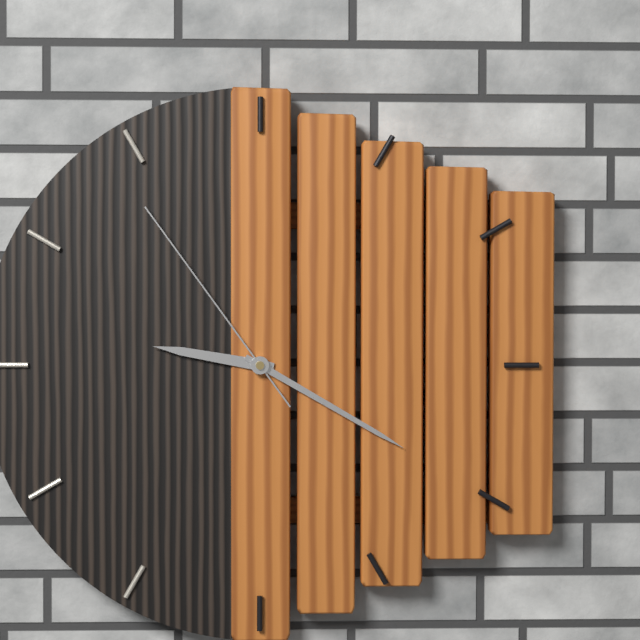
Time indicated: 9:20:54
